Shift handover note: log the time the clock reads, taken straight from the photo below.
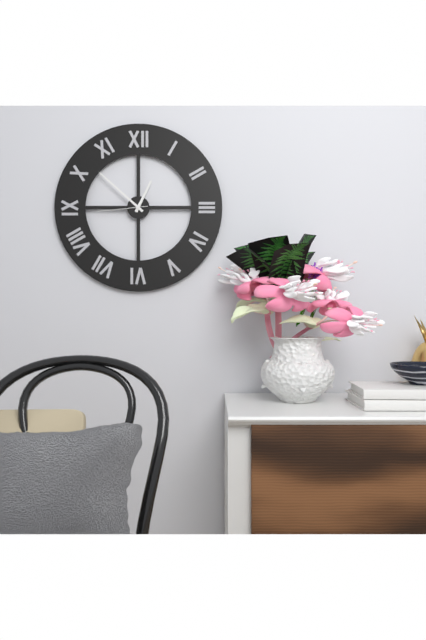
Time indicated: 12:52:44
